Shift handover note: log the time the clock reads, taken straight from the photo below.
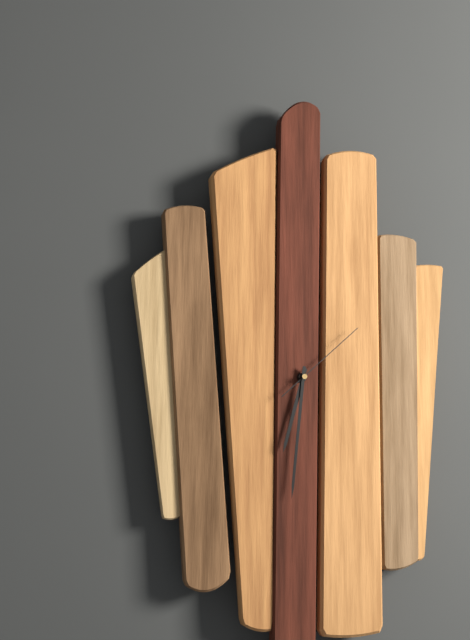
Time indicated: 6:31:08
